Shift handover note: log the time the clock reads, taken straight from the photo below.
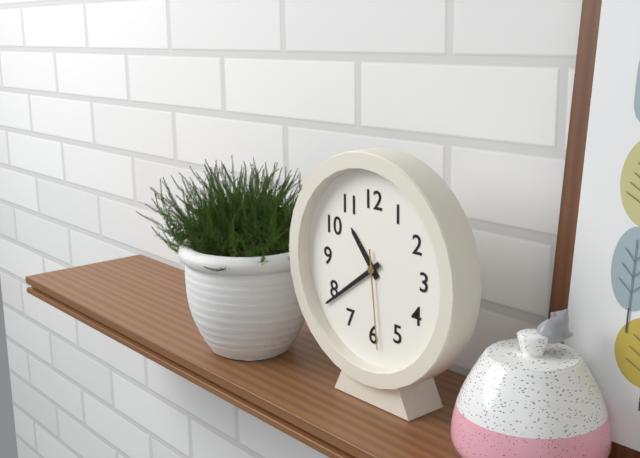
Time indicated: 10:39:29
